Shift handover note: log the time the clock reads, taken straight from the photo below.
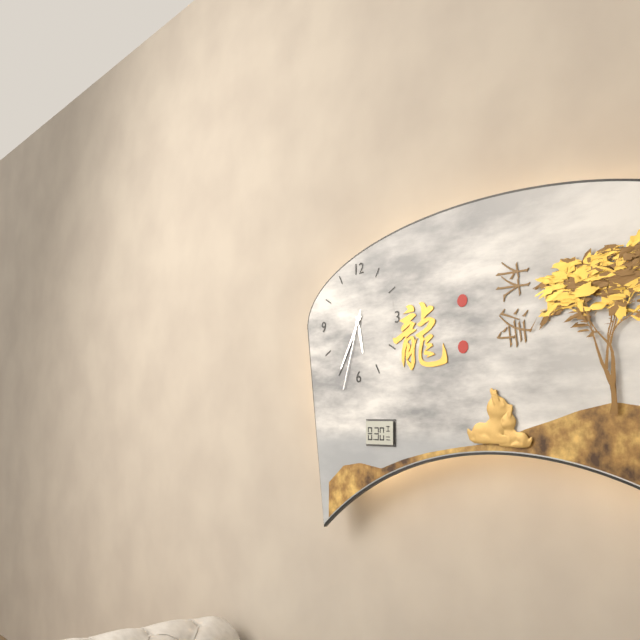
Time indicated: 5:35:33
